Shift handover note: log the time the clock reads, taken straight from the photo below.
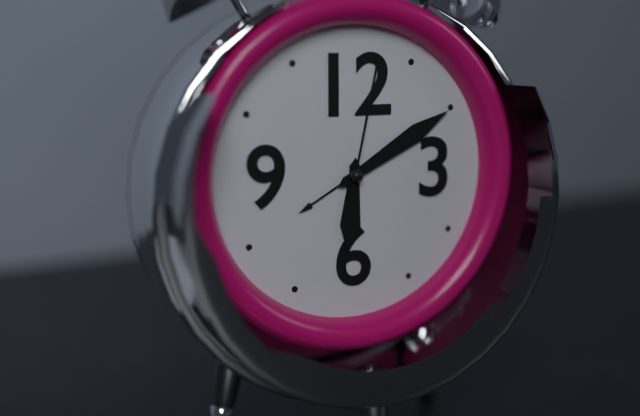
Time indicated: 6:10:02
